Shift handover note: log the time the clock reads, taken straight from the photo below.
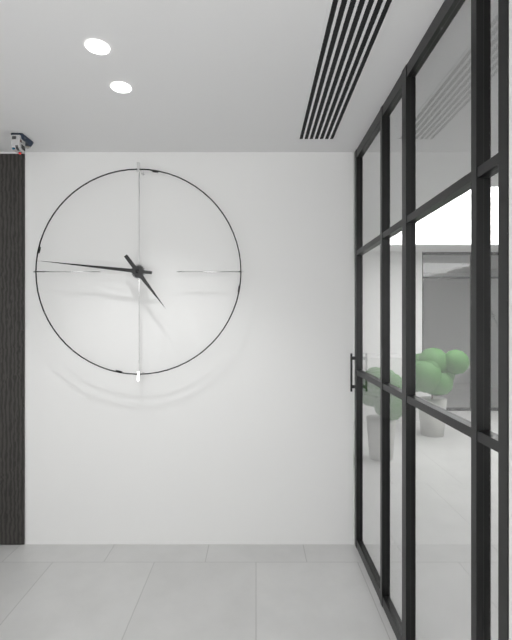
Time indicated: 4:46
